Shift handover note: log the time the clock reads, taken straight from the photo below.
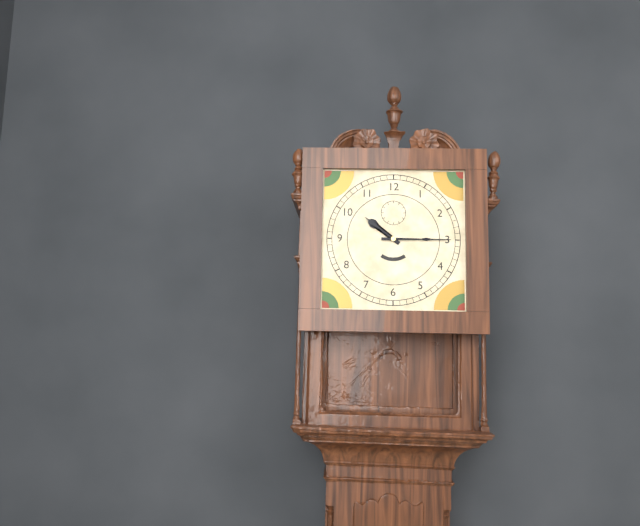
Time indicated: 10:15
